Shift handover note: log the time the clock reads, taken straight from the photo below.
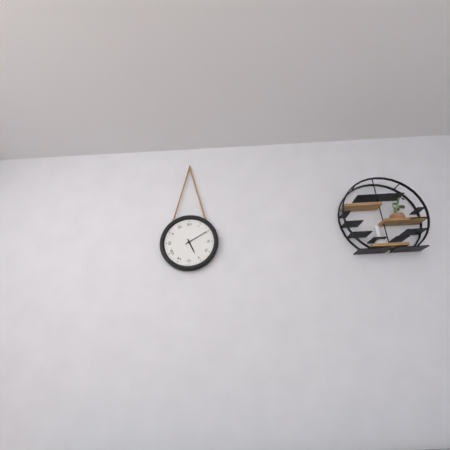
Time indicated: 5:10
